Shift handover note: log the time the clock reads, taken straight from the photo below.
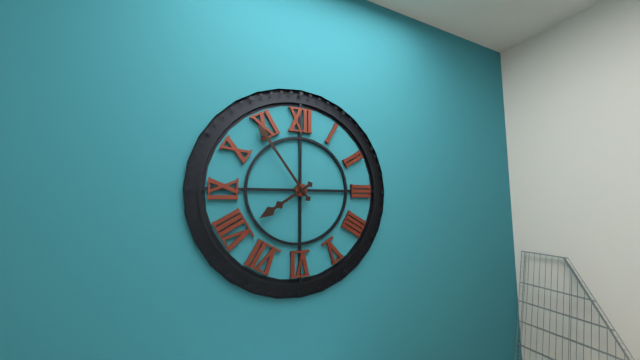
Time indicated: 7:54
